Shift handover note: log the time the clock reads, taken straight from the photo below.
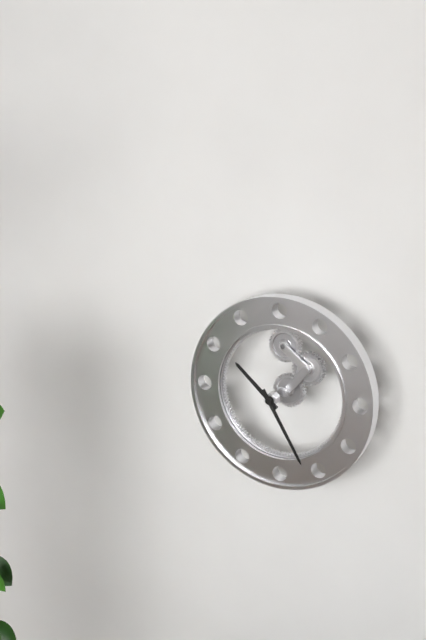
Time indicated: 10:25
